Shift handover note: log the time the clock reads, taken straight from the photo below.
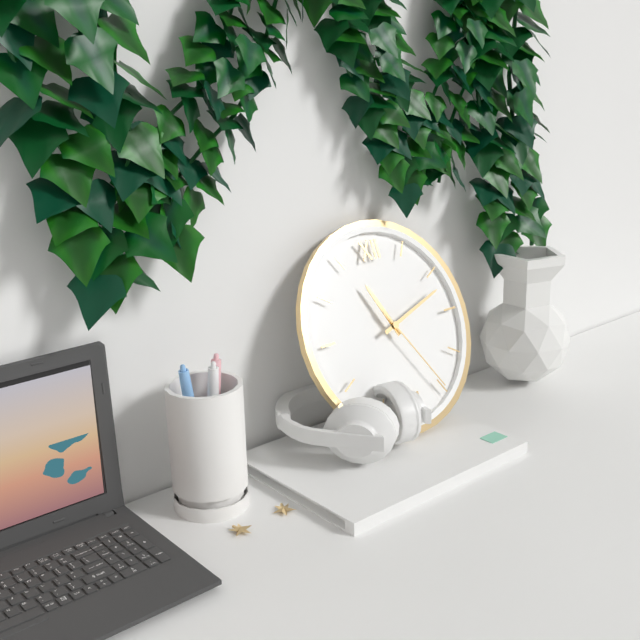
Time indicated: 11:12:25
